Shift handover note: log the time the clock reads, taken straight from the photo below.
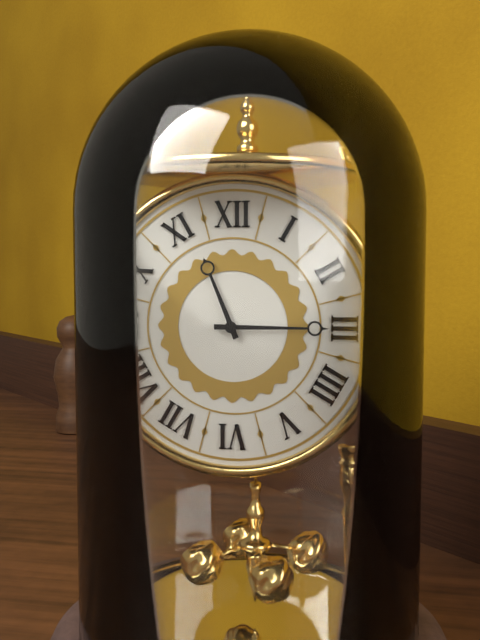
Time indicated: 11:15
